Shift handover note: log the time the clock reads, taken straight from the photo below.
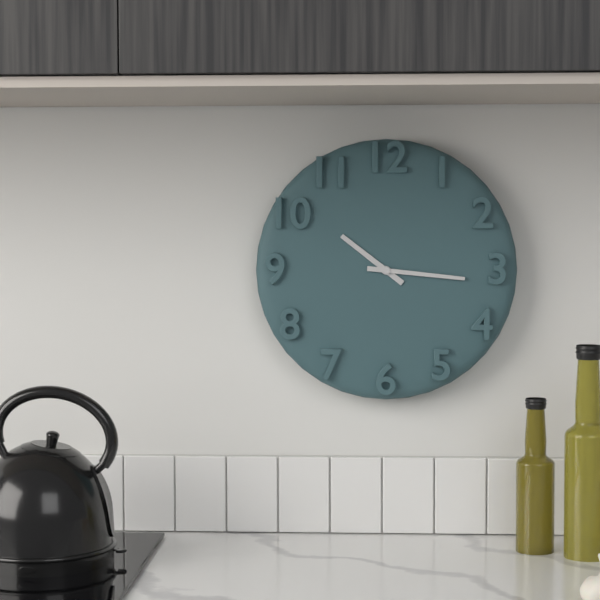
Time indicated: 10:16
